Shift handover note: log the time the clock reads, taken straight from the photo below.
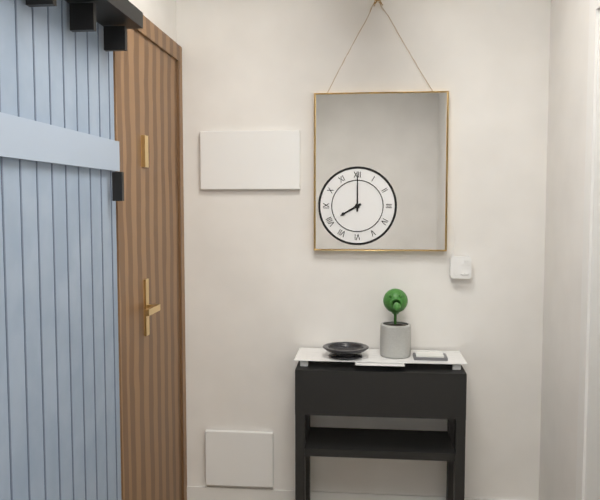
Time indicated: 8:00
